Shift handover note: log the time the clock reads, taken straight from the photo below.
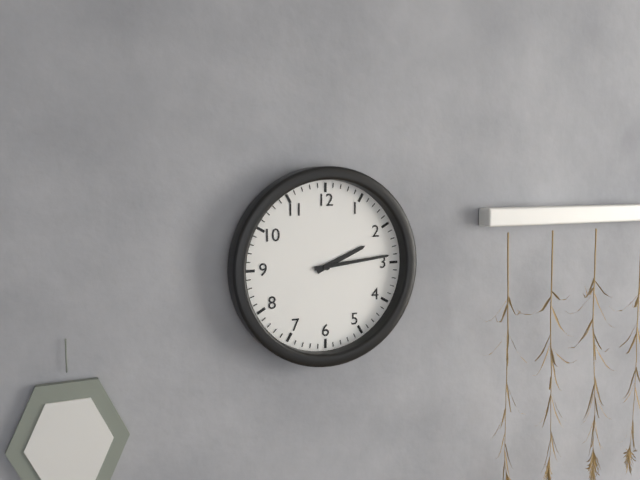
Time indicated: 2:14
